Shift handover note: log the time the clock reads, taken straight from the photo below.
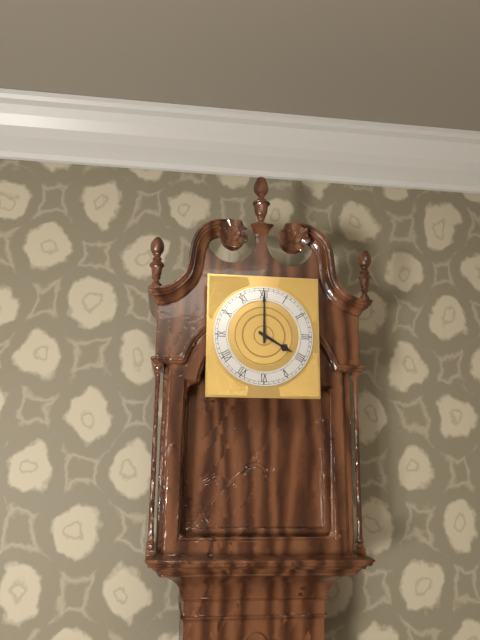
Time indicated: 4:00
